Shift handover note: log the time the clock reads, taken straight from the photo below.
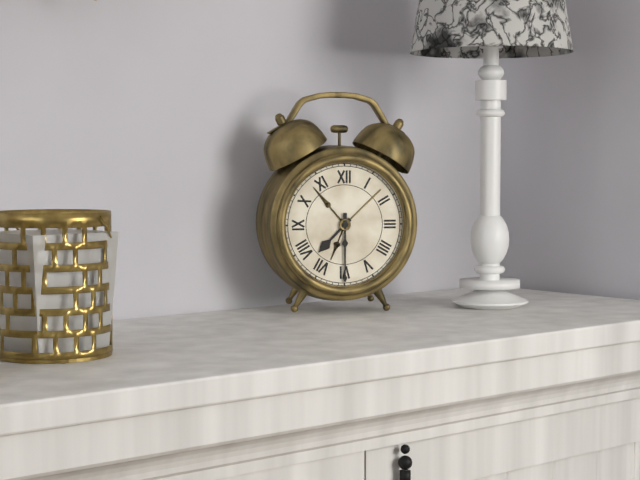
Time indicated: 7:30
